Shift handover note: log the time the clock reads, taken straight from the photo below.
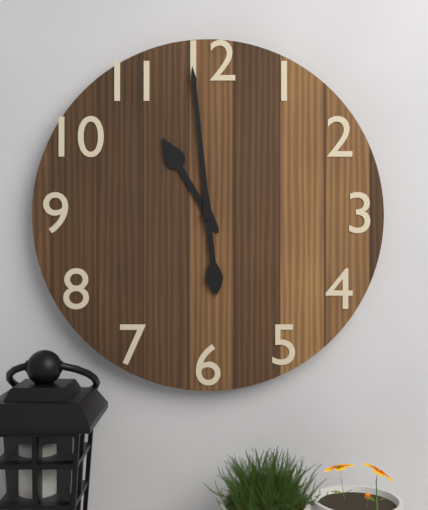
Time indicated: 10:59
